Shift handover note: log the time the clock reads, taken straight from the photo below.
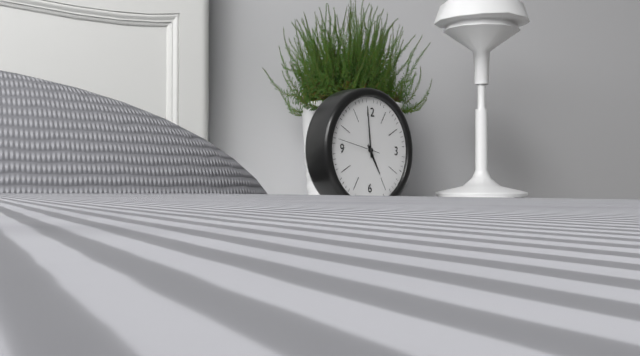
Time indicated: 4:59
